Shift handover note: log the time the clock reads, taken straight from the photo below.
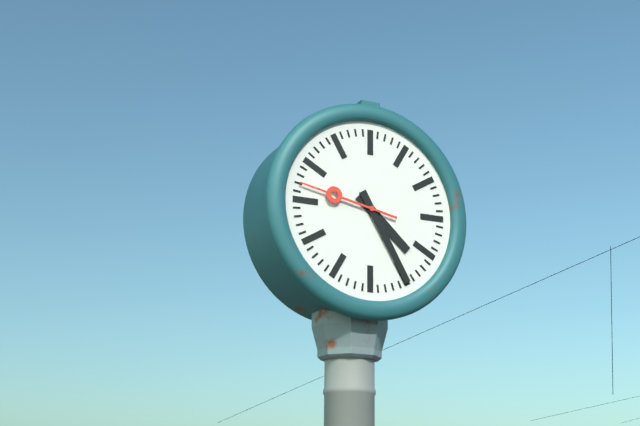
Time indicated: 4:25:47
